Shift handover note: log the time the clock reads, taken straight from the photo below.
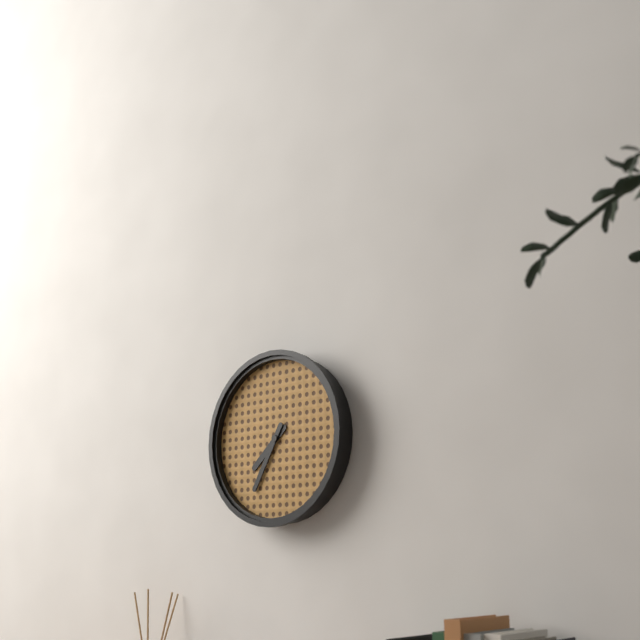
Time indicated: 7:35
